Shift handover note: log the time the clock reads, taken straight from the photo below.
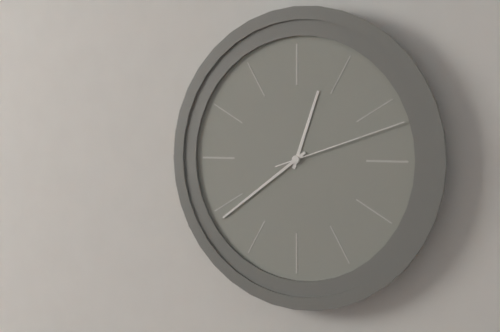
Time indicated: 12:39:12
